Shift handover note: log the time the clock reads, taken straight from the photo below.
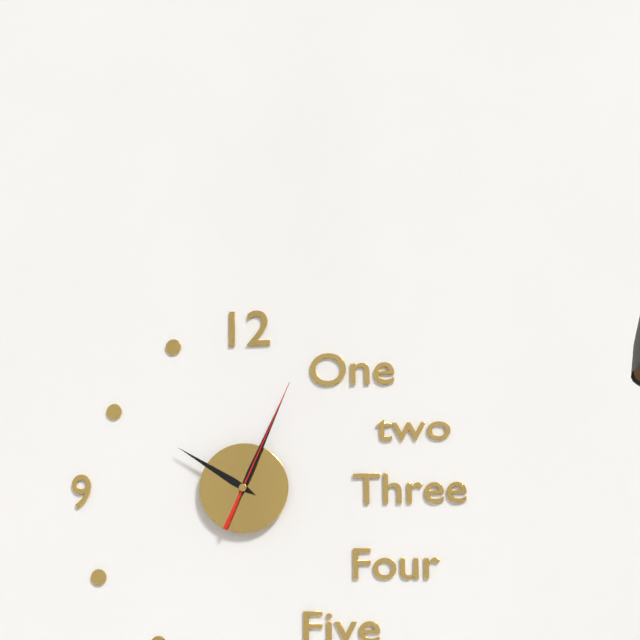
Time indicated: 10:04:04
